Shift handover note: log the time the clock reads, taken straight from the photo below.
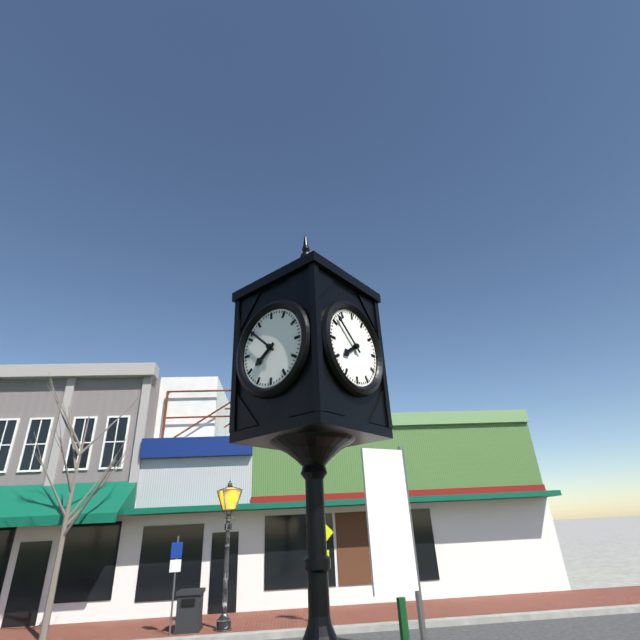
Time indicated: 7:52
